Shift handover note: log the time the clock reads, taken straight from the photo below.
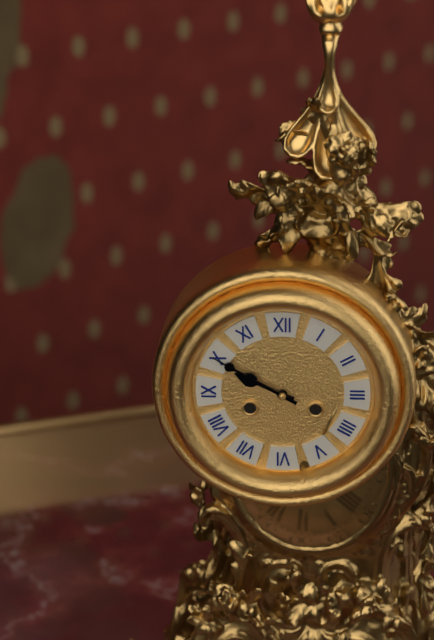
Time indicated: 9:50
